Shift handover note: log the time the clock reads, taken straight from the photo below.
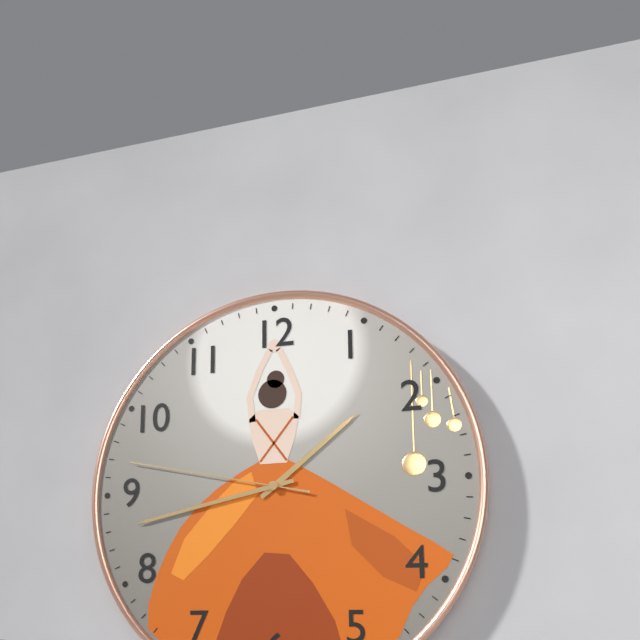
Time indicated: 1:43:47
